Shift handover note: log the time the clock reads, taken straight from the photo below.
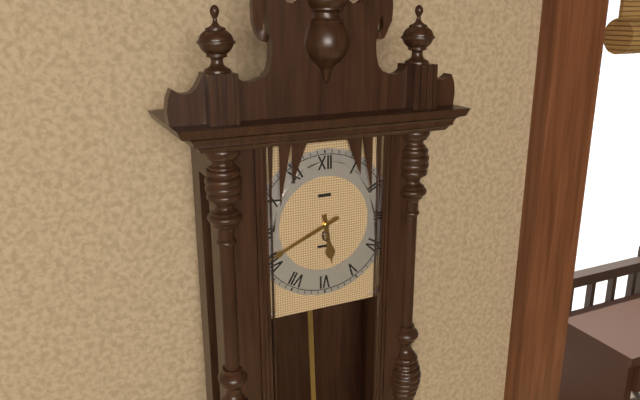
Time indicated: 5:41
